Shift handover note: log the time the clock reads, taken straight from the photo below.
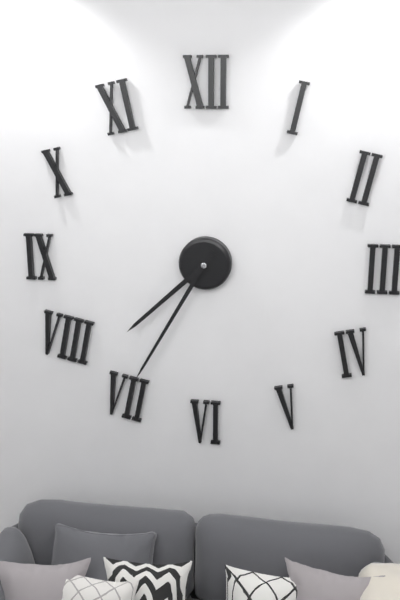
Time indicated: 7:35
